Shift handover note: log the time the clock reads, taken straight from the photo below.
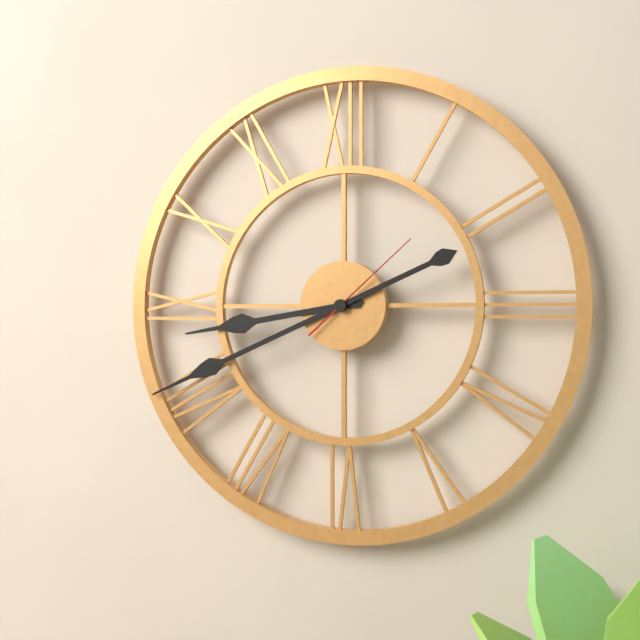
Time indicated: 8:41:08
